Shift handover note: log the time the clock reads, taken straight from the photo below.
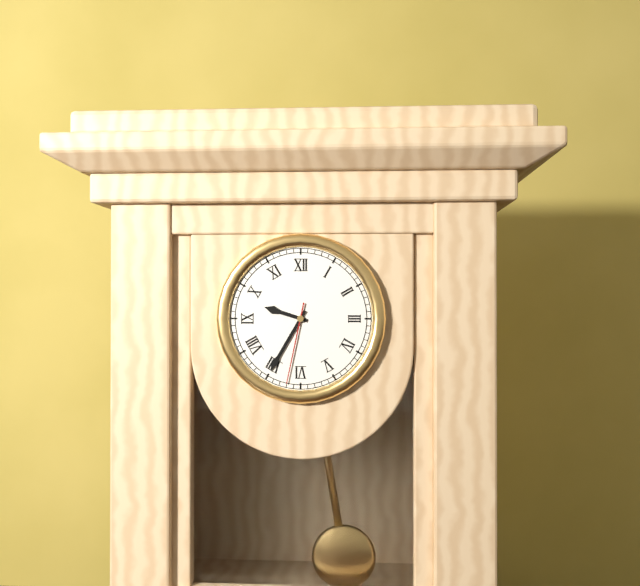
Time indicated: 9:35:32
